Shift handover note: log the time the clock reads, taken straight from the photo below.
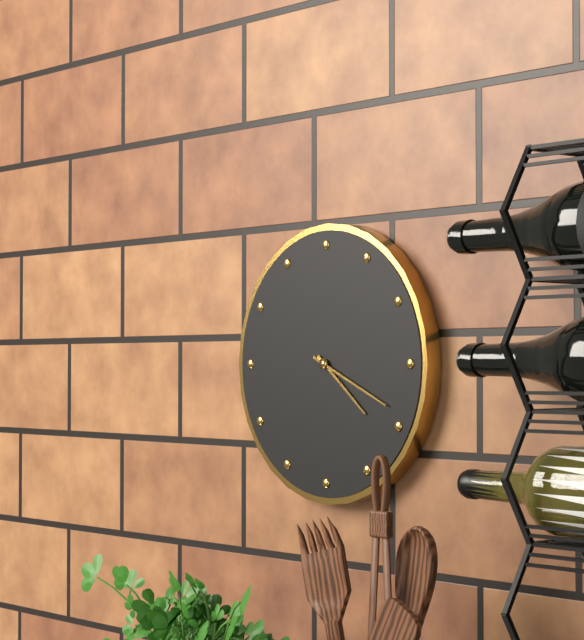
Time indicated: 4:19
